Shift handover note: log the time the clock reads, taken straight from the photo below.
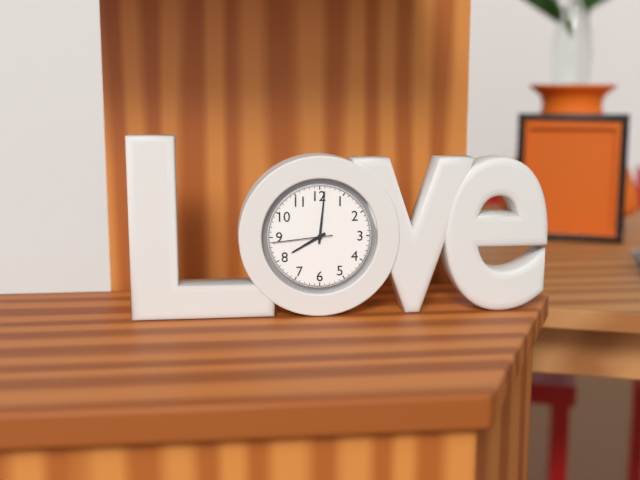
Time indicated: 8:01:44
